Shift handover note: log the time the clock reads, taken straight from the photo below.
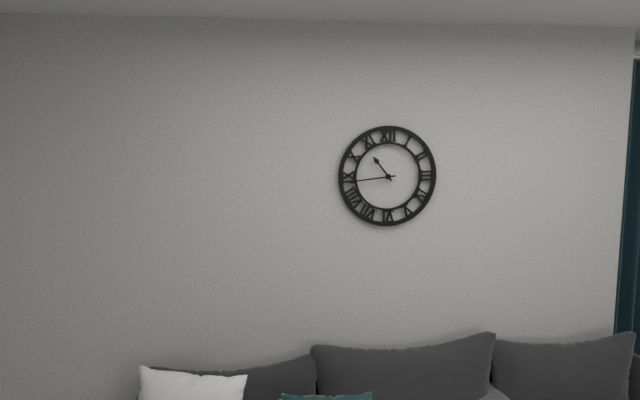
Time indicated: 10:44
